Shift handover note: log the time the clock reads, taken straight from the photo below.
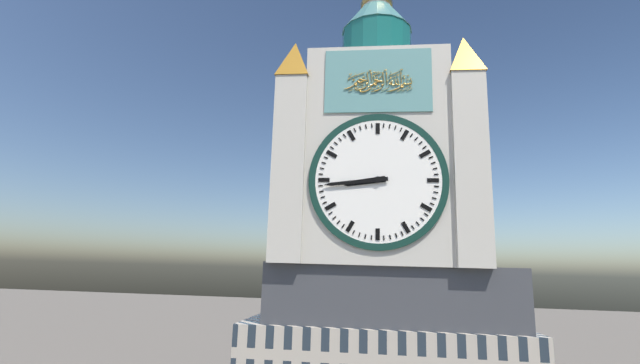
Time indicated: 8:44
